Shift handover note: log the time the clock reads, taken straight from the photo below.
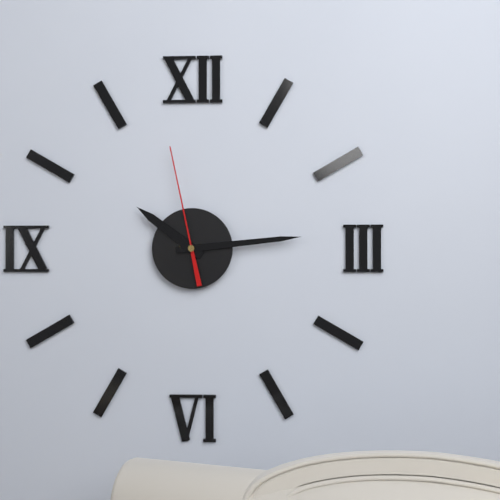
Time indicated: 10:14:58
